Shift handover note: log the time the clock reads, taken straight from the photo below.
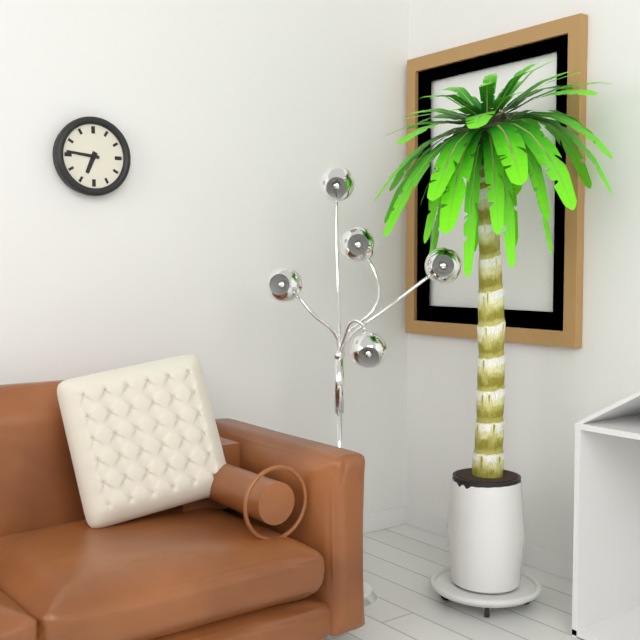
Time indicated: 6:46
